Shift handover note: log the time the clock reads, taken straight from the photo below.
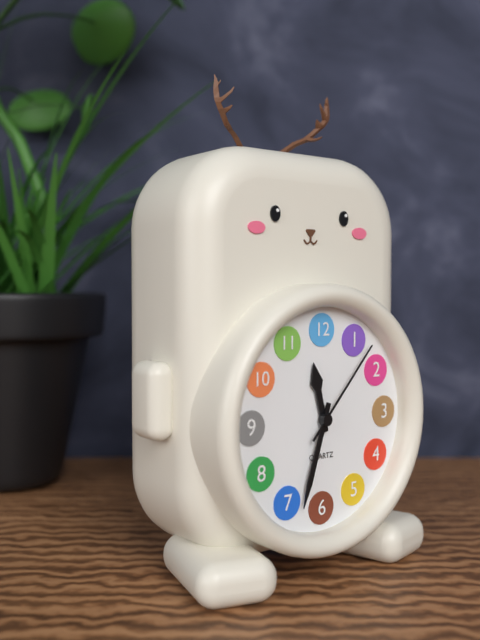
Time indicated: 11:33:07
